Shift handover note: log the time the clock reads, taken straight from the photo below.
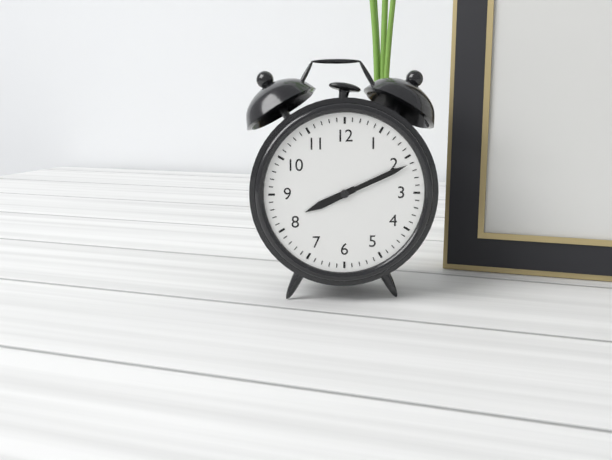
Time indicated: 8:11
